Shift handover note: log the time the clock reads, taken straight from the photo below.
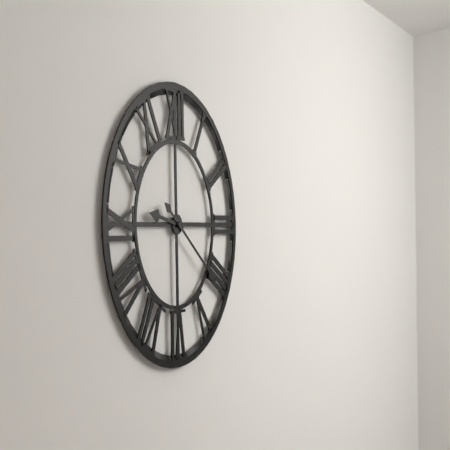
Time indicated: 9:21
